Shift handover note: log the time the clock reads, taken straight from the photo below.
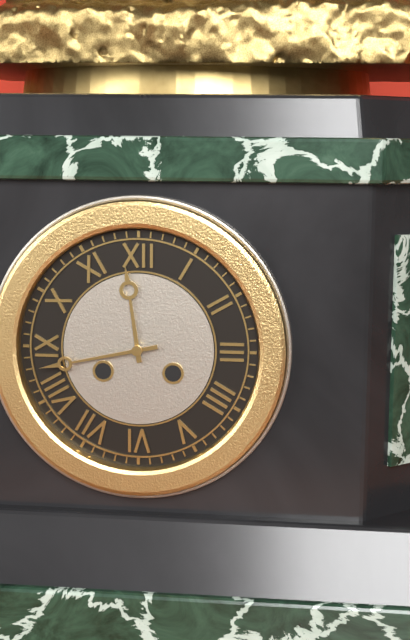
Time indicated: 11:43
